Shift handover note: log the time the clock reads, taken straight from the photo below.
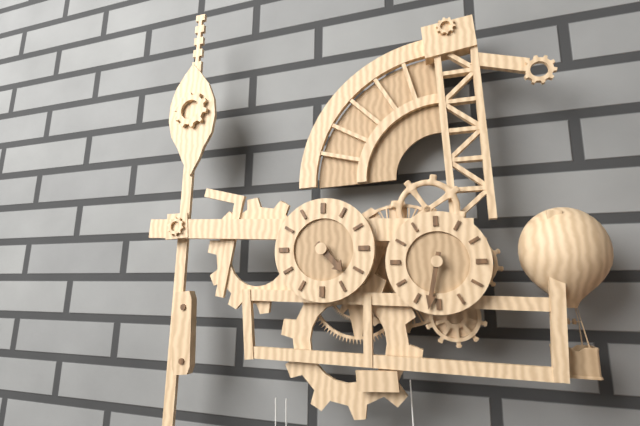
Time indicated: 4:32
